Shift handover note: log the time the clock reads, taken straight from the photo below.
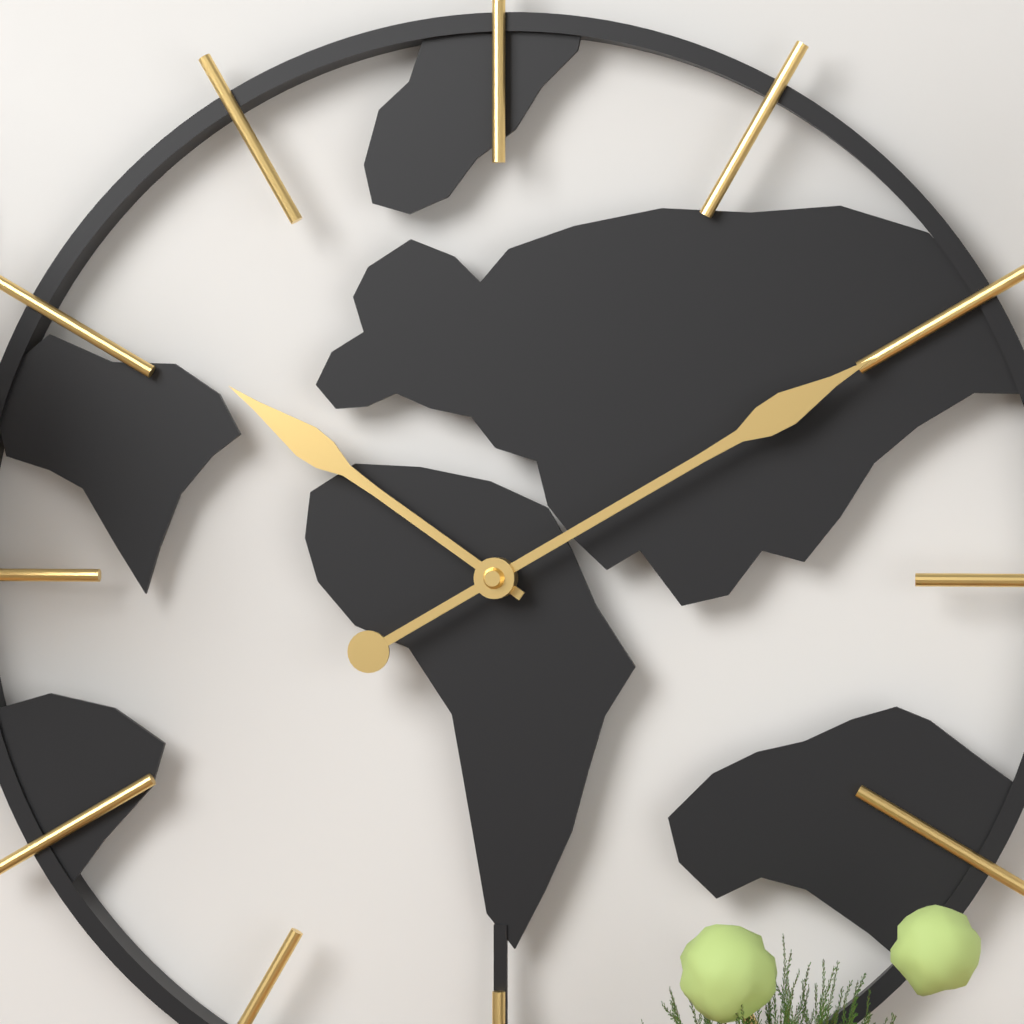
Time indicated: 10:10
